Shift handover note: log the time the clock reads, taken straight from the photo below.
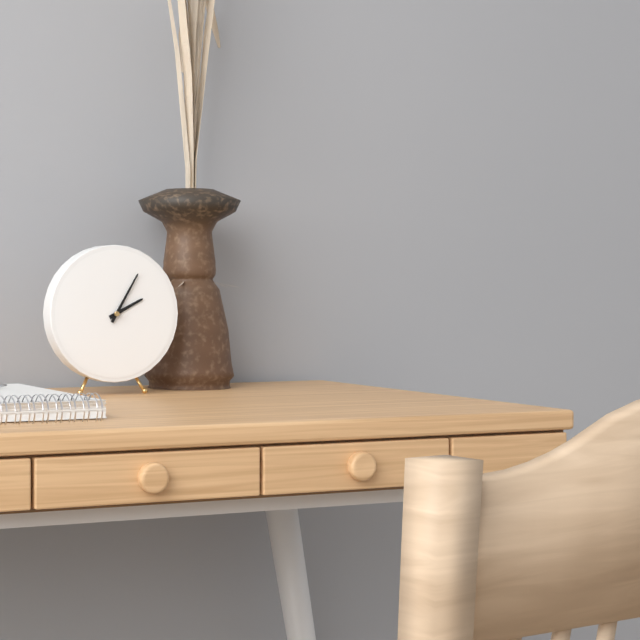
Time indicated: 2:05
